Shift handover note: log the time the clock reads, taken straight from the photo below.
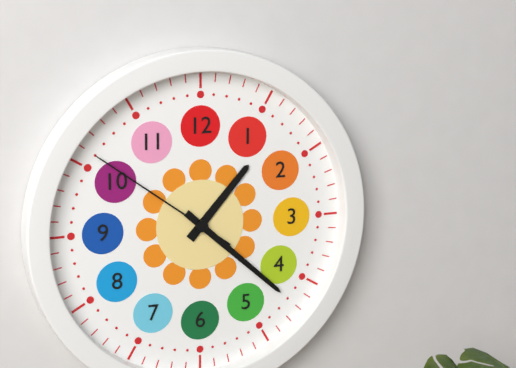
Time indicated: 1:22:51
